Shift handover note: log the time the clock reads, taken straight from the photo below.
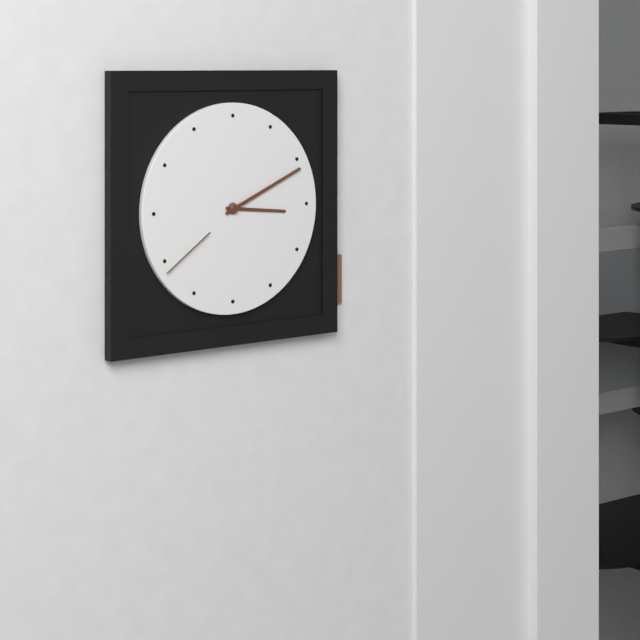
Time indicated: 3:11:39
